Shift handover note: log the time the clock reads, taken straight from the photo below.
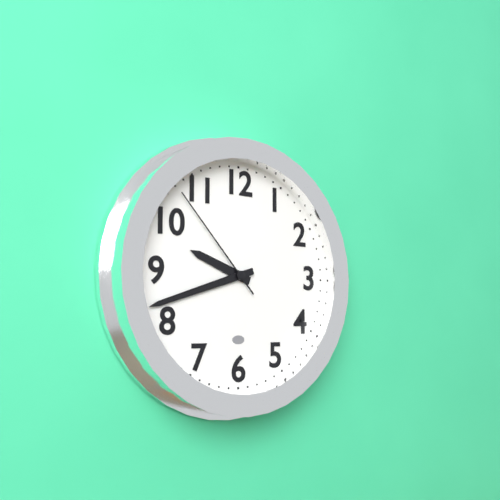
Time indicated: 9:42:53
